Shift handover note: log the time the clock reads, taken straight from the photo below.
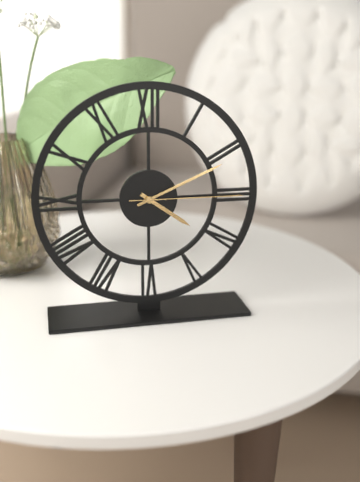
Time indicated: 4:11:15
